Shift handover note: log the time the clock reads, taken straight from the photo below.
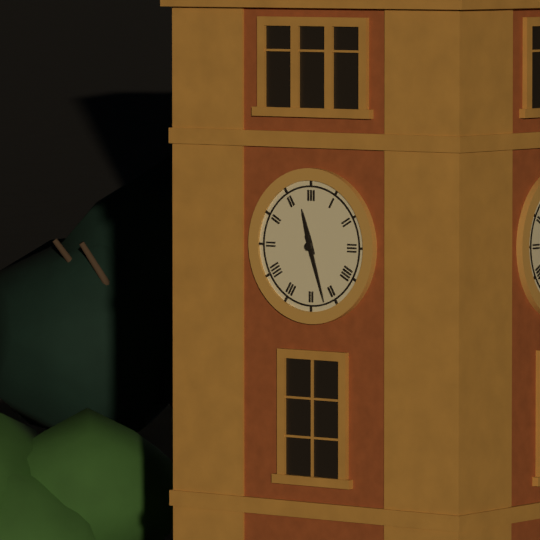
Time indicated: 11:27
